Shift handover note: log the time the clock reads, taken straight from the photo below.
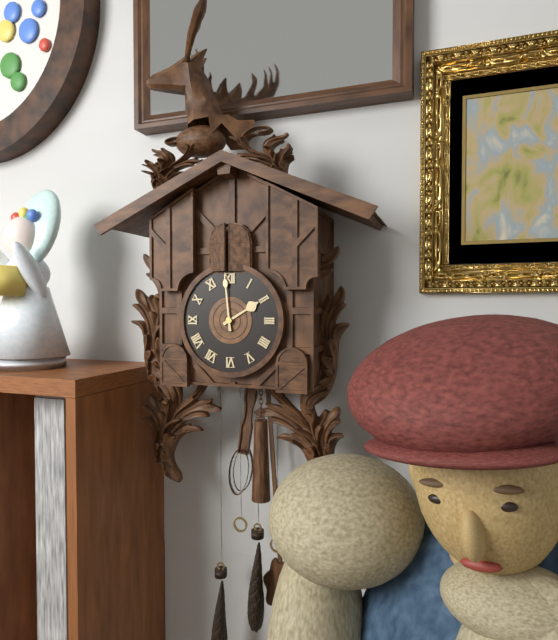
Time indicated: 1:59
